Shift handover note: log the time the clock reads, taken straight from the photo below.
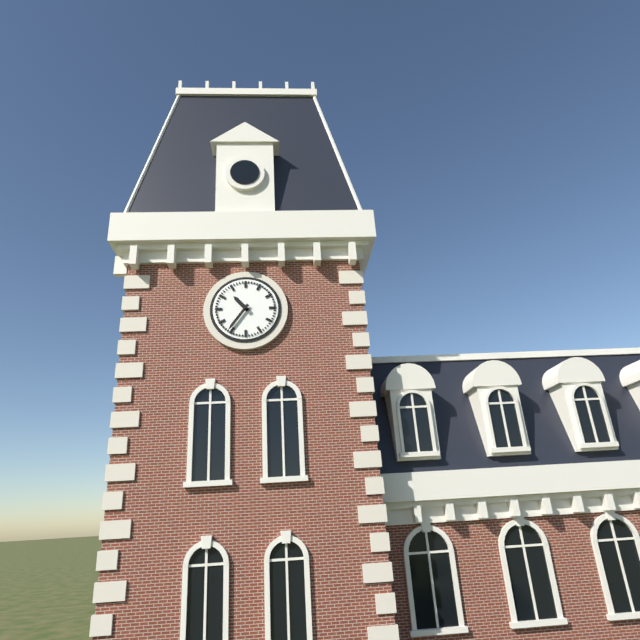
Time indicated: 10:36
